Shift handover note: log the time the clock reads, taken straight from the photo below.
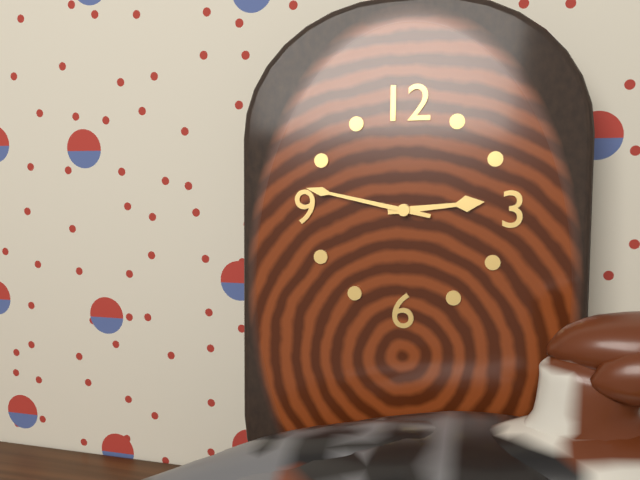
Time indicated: 2:47
